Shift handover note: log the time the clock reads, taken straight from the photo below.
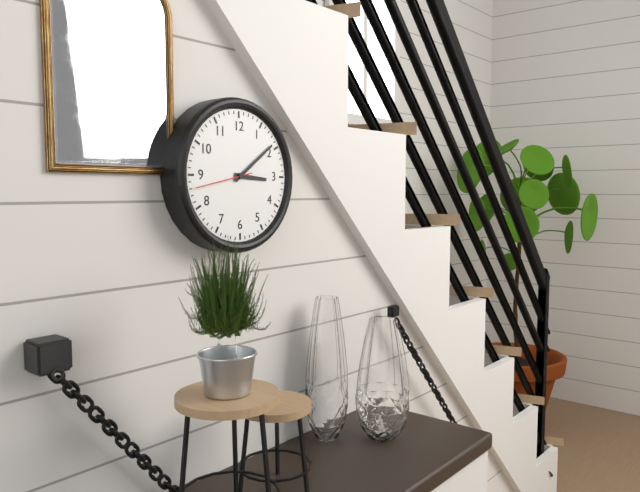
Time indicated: 3:09
